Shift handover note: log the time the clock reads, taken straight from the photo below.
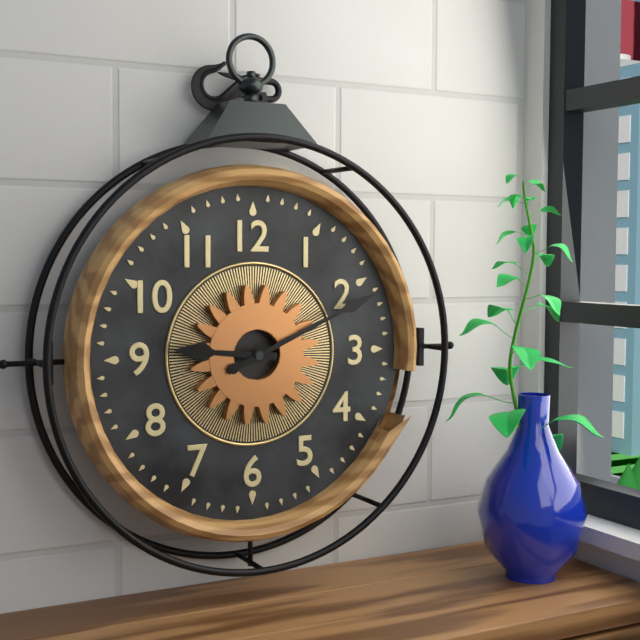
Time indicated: 9:11
